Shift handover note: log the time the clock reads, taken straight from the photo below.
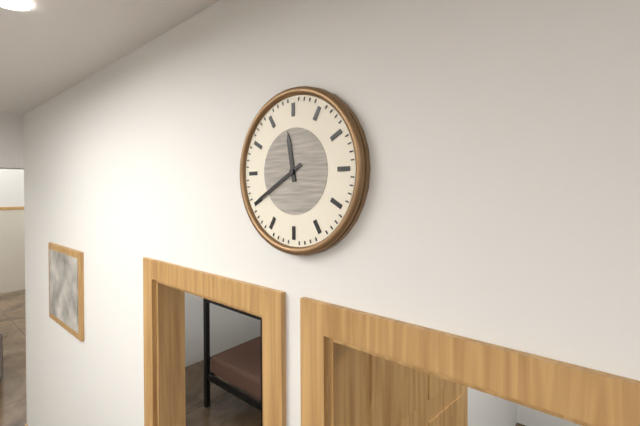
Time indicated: 11:40
